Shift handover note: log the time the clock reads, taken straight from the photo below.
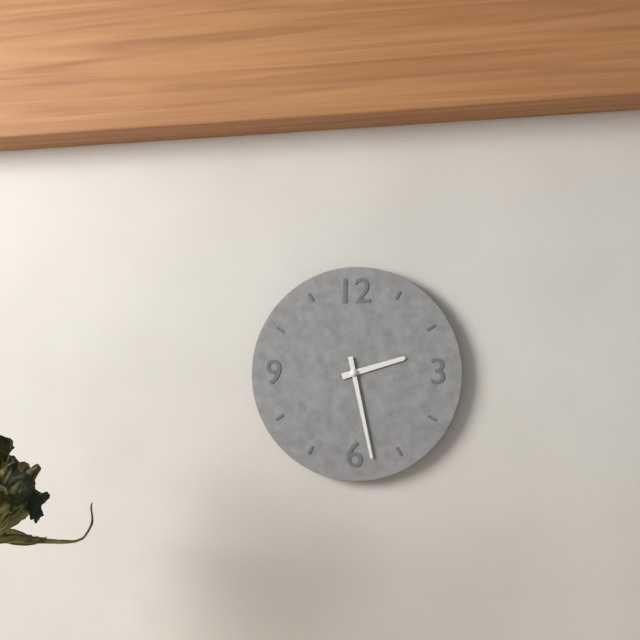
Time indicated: 2:28
